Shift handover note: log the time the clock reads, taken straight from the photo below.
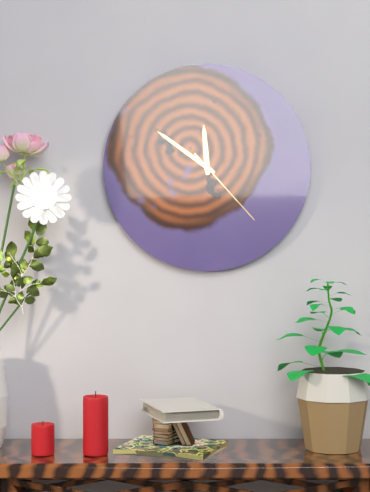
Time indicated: 11:51:23
